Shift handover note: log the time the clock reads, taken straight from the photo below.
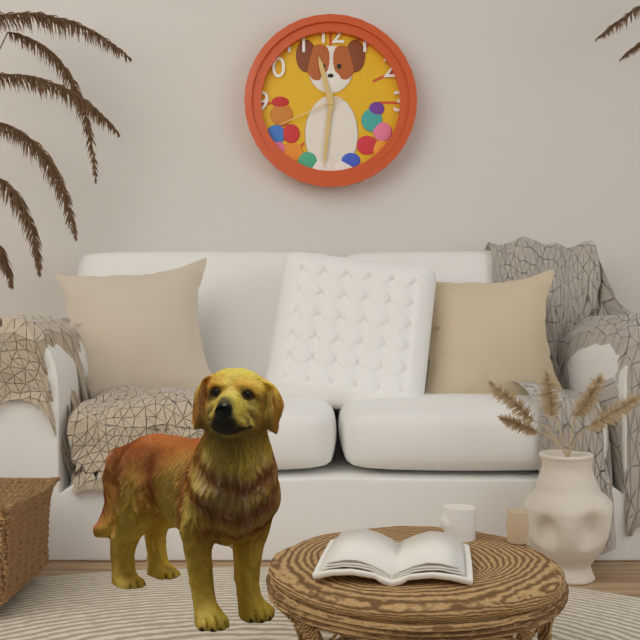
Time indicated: 11:31:41
